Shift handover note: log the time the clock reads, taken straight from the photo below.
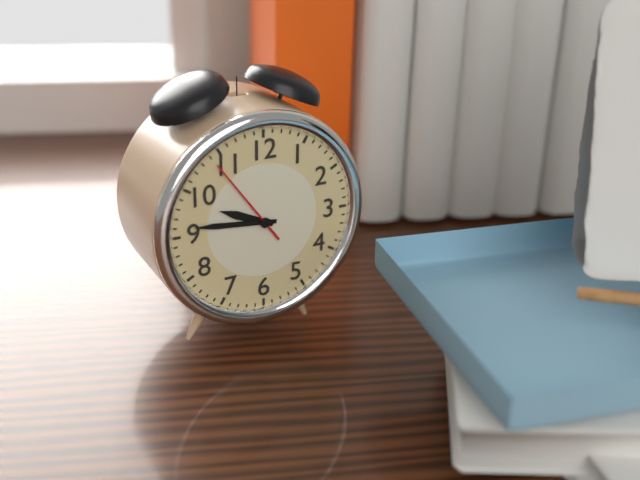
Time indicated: 9:46:54
